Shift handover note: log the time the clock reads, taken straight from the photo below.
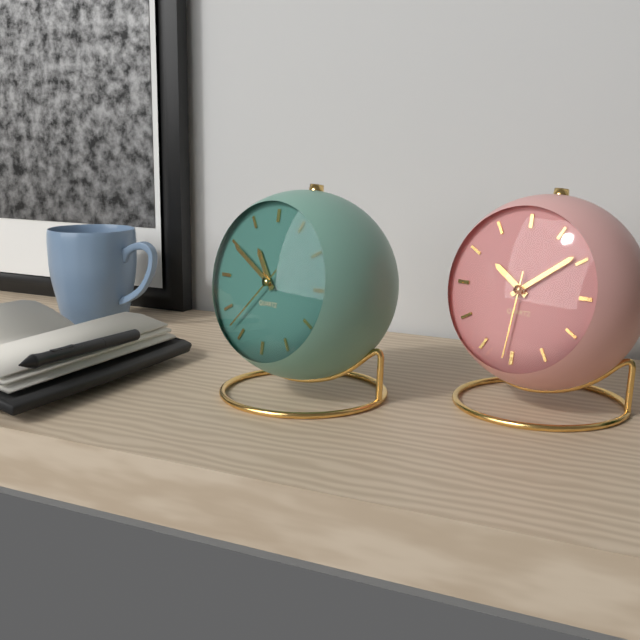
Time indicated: 10:50:37
